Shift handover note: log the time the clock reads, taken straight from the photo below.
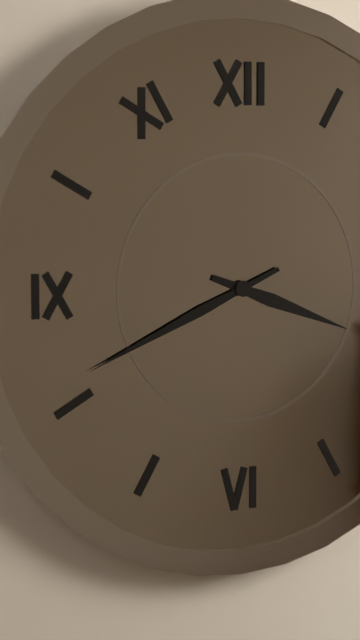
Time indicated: 3:41
